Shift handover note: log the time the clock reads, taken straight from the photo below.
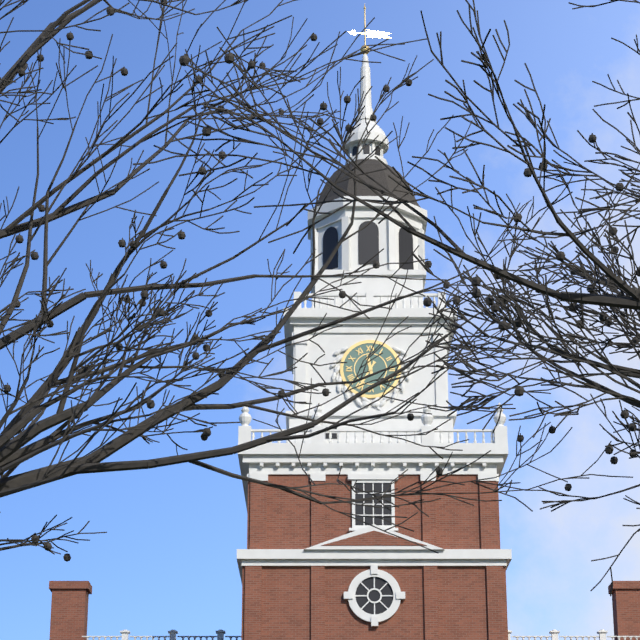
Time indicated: 11:35
